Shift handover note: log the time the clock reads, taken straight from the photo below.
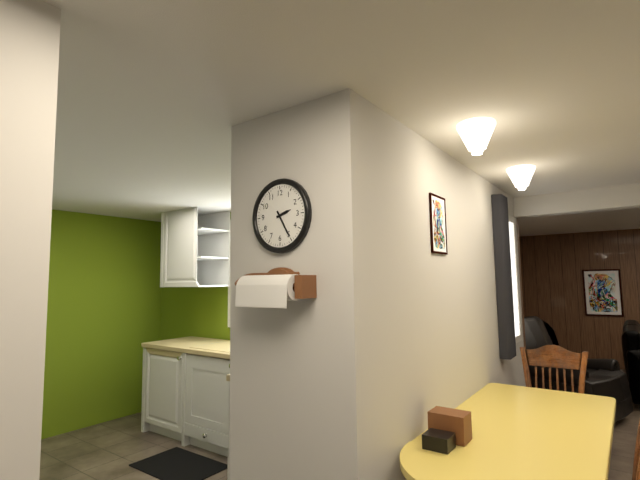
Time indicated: 2:25
